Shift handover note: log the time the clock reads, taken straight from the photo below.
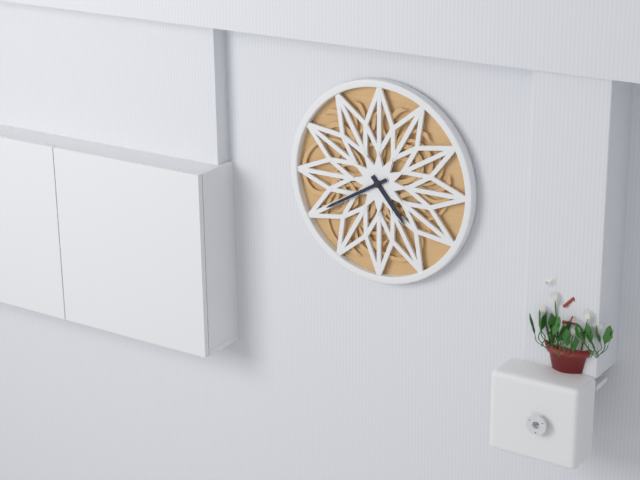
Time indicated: 4:40
